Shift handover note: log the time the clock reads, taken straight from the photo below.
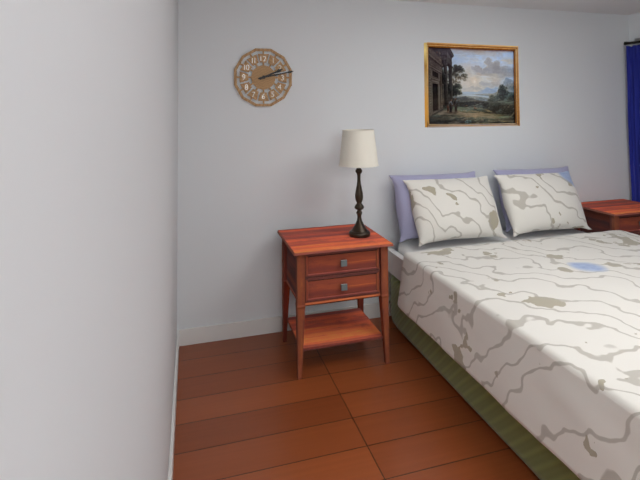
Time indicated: 2:13
